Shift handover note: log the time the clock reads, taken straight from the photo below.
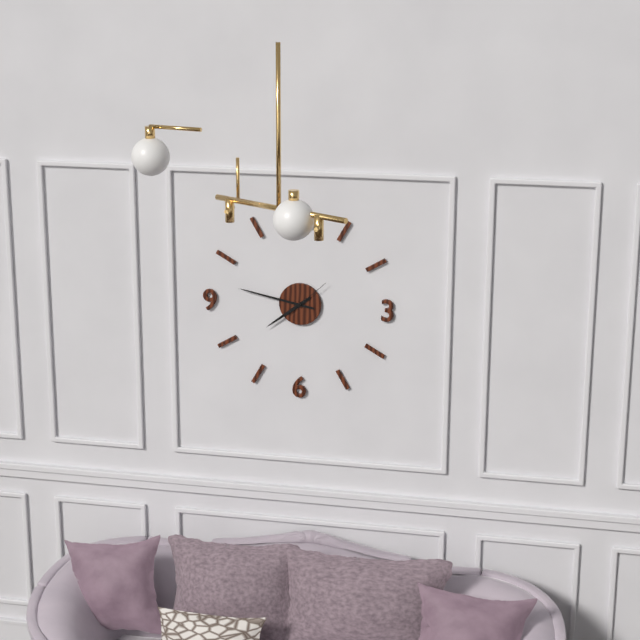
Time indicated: 7:47
